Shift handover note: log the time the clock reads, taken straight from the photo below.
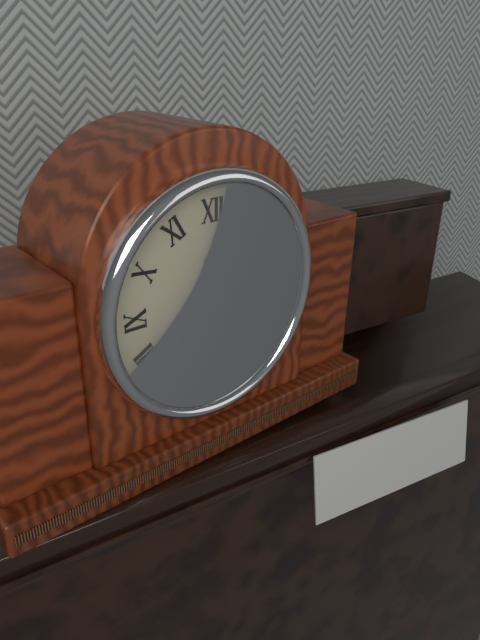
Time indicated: 6:38
